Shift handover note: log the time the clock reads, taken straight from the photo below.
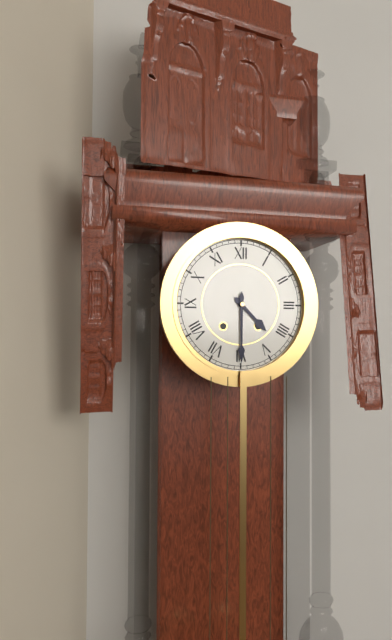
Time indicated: 4:30
